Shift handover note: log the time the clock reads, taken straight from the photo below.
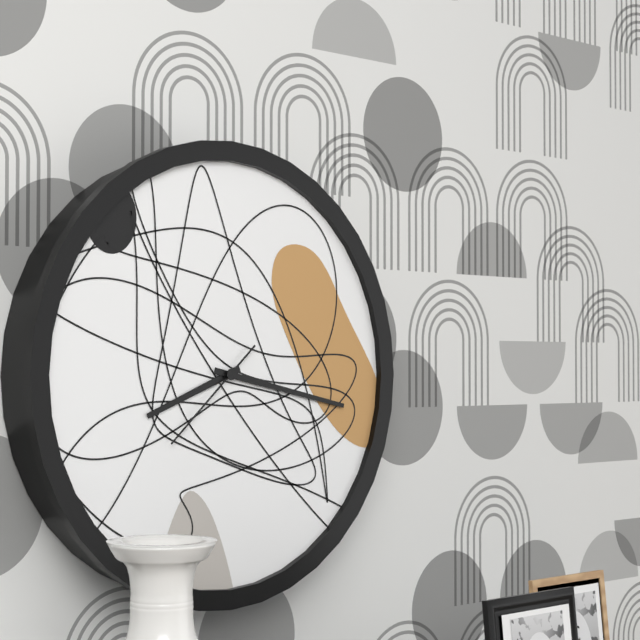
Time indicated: 8:17:38
